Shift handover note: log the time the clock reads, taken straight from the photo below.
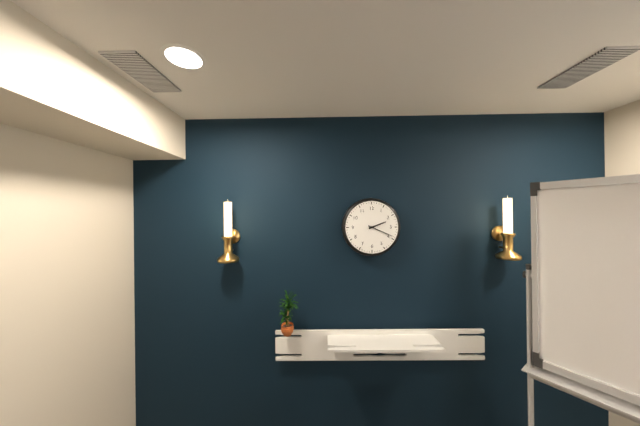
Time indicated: 2:19
